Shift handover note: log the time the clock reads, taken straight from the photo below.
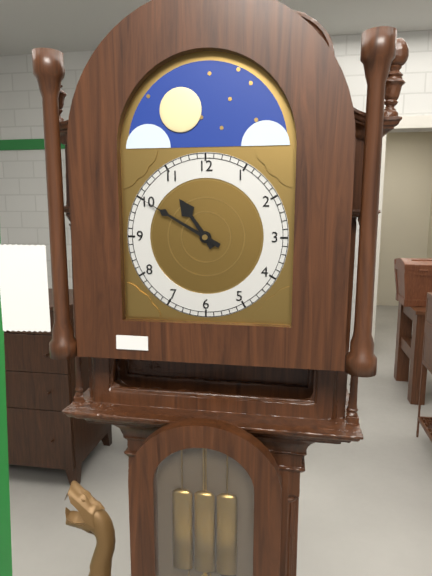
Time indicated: 10:50
